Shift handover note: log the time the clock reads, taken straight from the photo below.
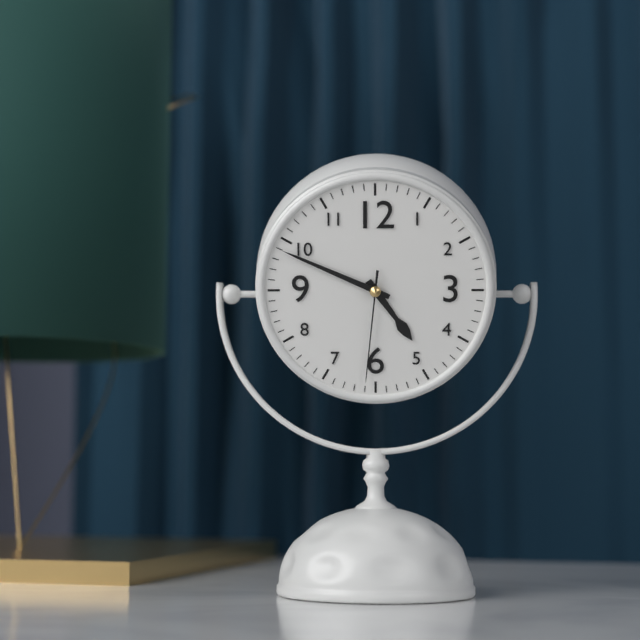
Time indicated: 4:49:31
